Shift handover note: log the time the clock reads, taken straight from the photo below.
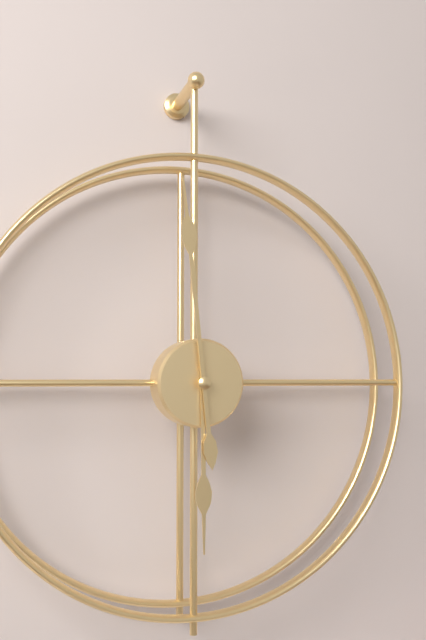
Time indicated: 5:59
